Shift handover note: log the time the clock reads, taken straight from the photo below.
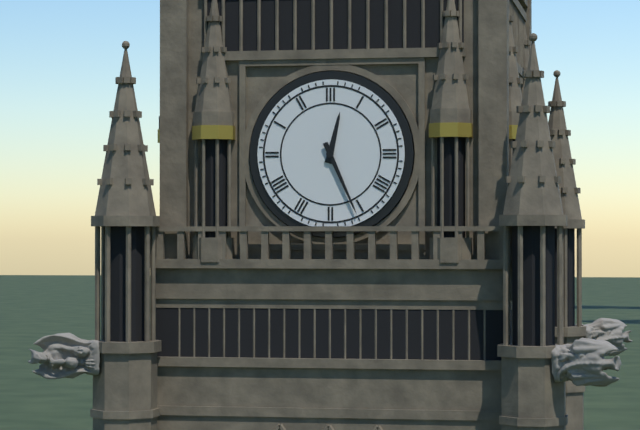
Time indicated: 12:26
